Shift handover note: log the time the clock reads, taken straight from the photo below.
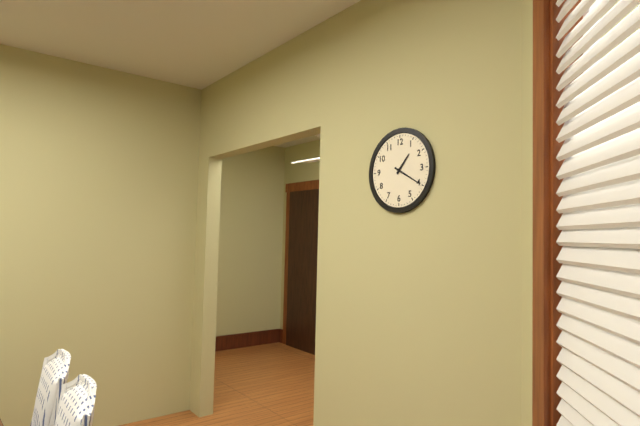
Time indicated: 1:20
